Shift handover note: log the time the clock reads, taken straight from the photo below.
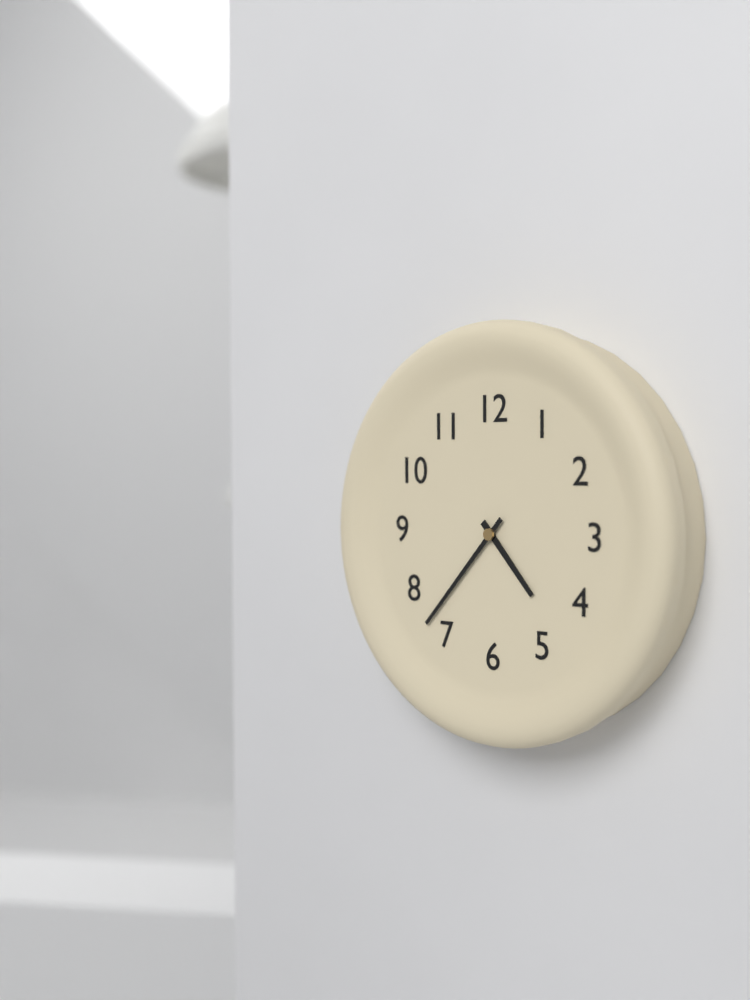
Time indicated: 4:37
